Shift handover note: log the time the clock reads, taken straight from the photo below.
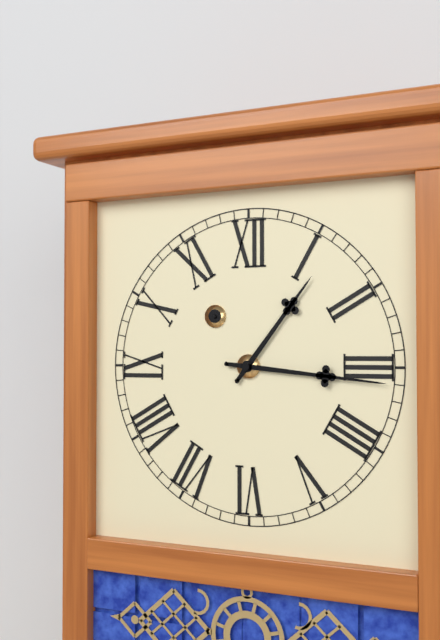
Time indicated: 1:16
